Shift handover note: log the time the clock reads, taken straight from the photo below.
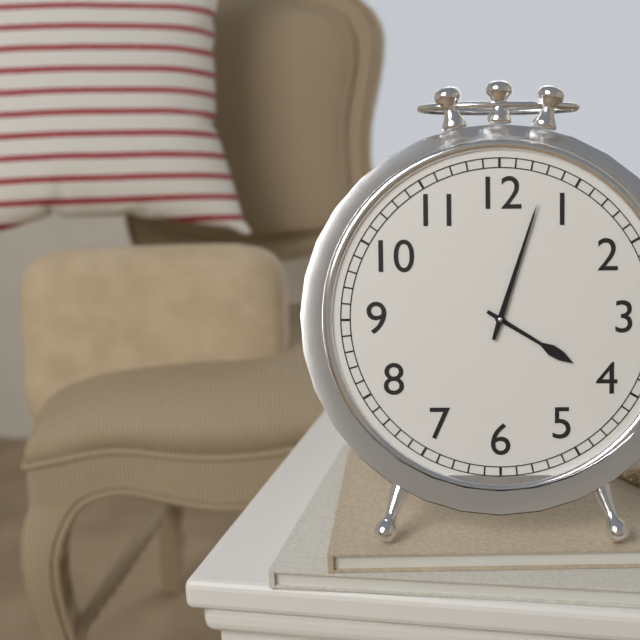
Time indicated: 4:03
